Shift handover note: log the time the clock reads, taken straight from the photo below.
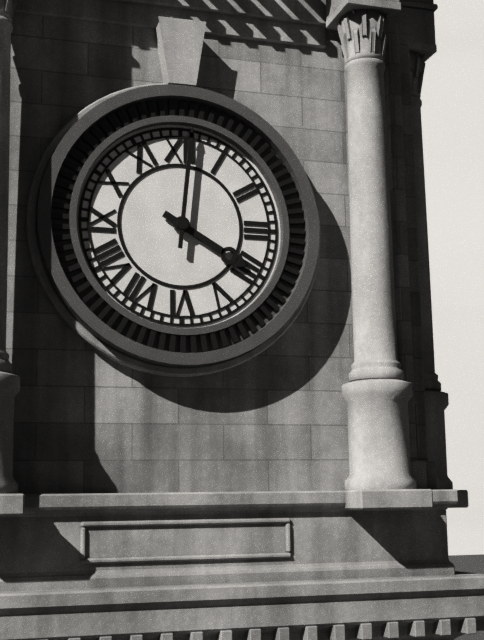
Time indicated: 4:01
